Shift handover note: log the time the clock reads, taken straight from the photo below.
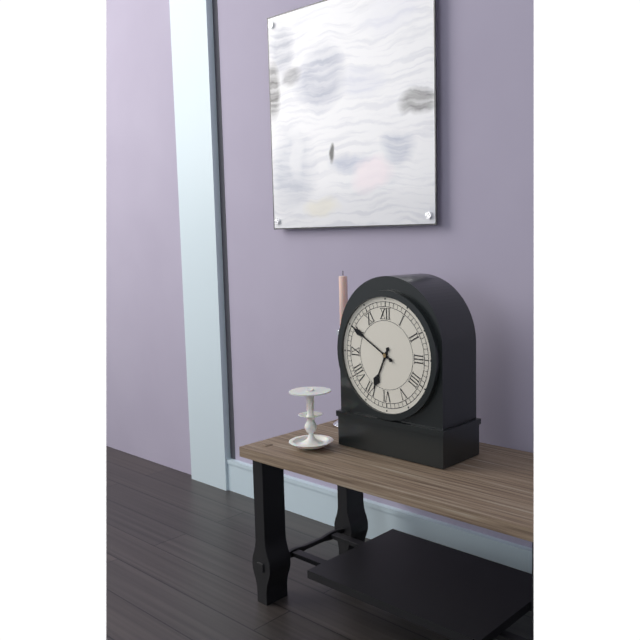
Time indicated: 6:50
